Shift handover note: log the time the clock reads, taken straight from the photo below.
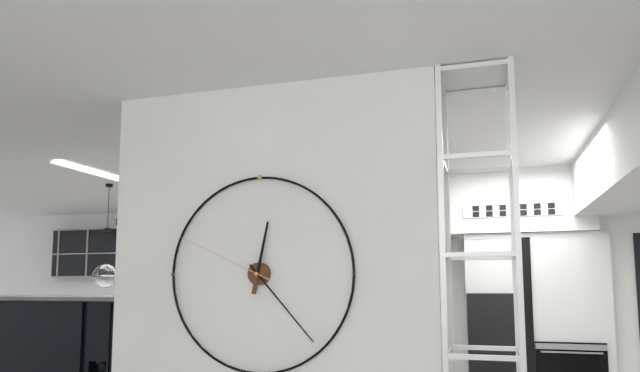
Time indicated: 12:23:49
